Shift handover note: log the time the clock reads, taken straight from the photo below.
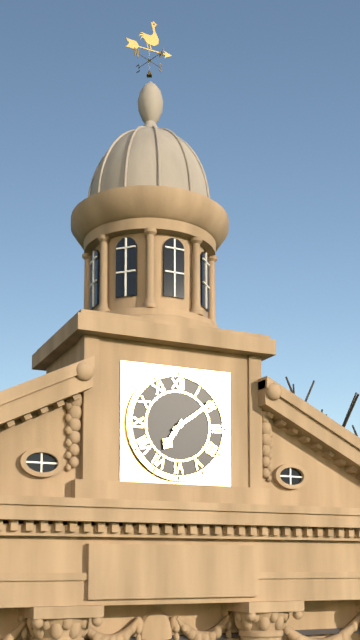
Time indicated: 7:09
